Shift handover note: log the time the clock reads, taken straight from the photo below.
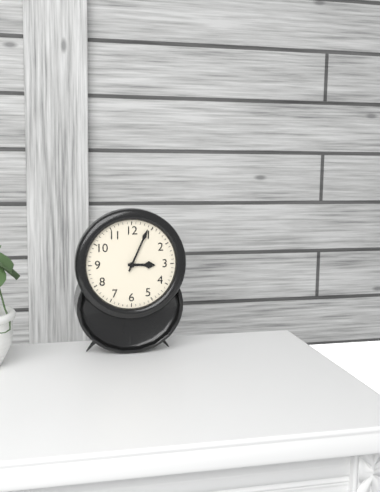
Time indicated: 3:04
